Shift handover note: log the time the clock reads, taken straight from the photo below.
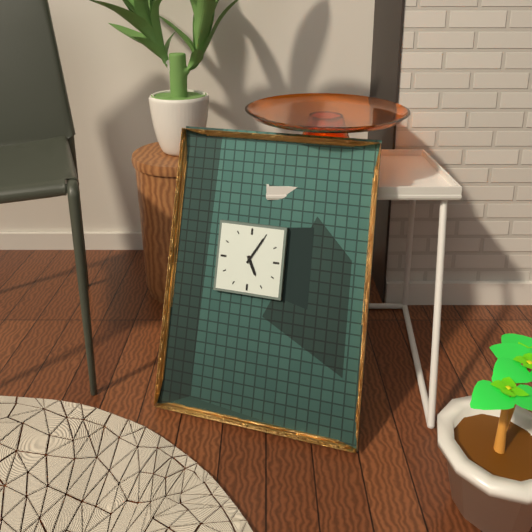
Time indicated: 5:05
